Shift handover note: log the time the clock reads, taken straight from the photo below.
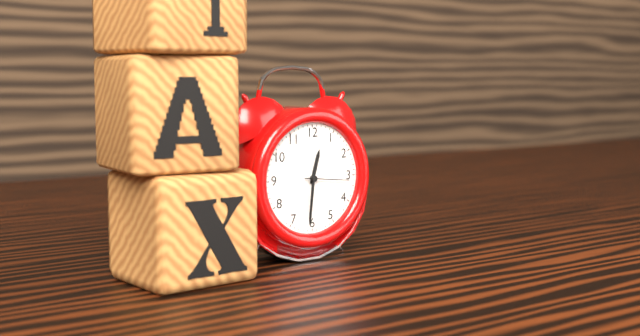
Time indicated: 12:31
